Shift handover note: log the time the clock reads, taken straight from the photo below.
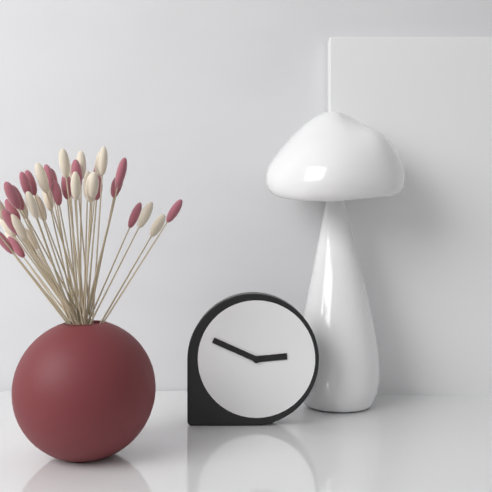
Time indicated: 2:49
